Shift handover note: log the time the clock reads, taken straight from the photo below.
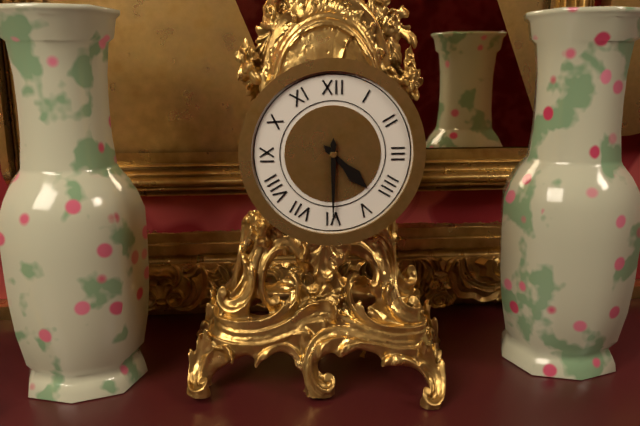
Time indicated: 4:30
